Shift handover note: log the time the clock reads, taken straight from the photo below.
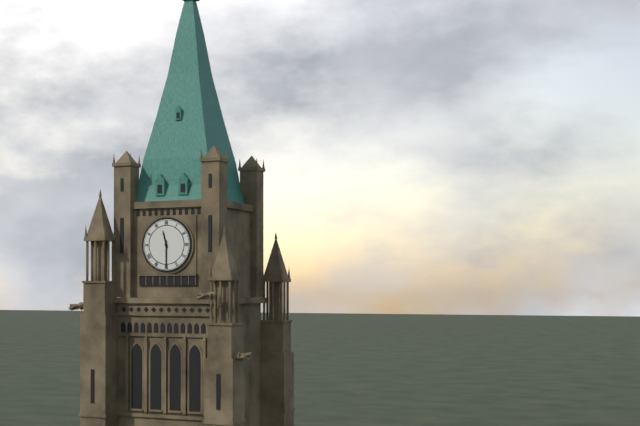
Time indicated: 11:30
